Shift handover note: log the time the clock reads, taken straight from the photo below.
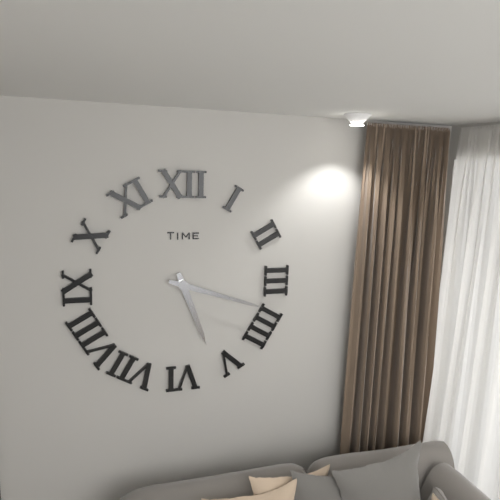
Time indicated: 5:18
